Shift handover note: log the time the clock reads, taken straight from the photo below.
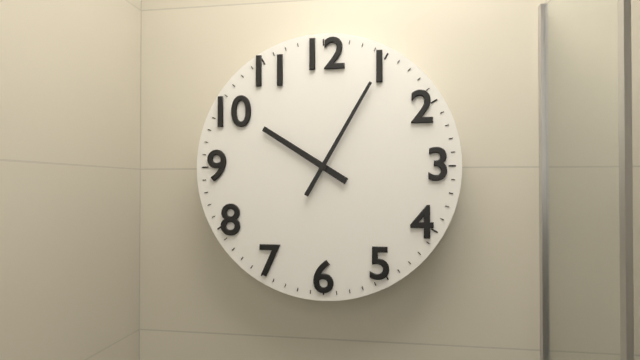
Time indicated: 10:05
